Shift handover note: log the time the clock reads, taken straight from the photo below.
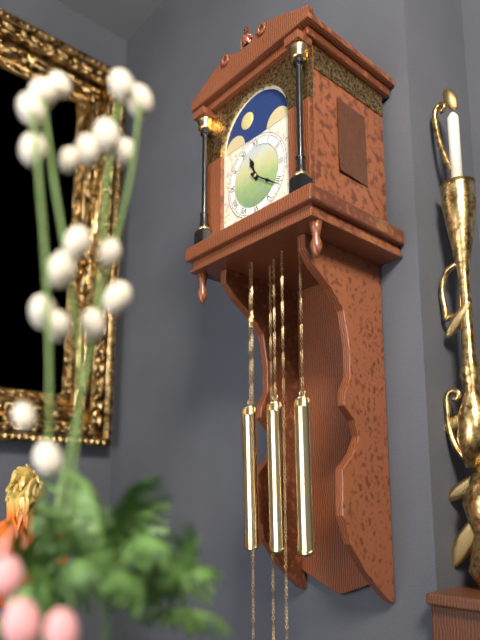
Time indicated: 11:21
